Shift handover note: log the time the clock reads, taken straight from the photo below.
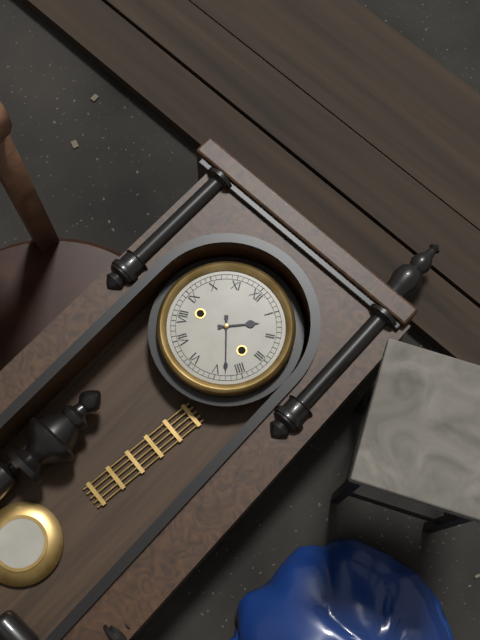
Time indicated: 1:23
